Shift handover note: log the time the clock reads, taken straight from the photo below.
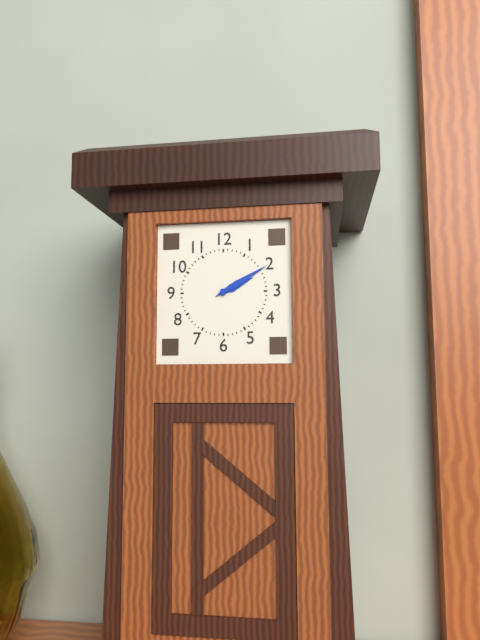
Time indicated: 2:10
